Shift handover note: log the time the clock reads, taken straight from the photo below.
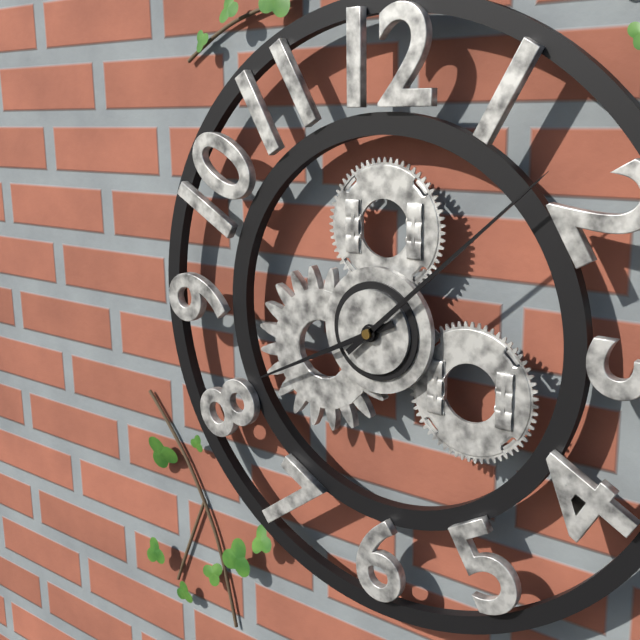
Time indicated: 8:08
